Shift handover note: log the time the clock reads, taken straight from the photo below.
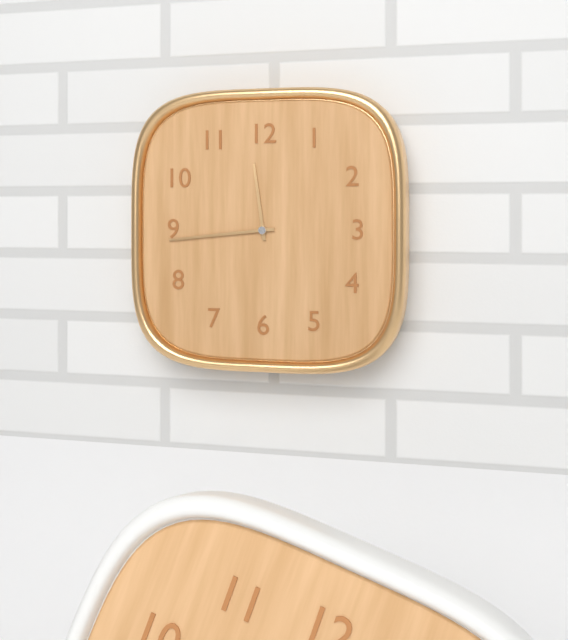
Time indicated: 11:44
